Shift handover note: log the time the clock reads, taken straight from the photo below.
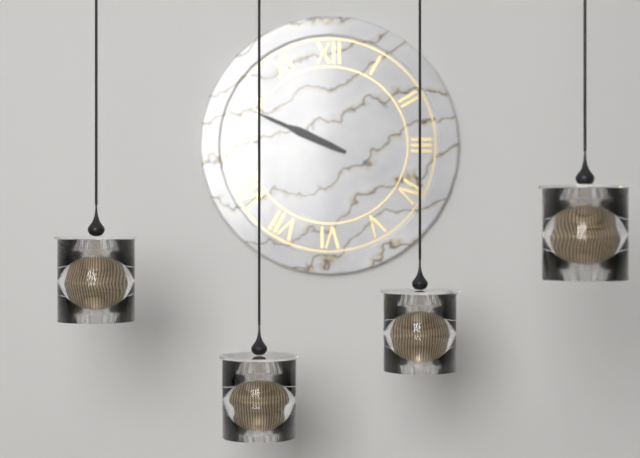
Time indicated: 9:49
